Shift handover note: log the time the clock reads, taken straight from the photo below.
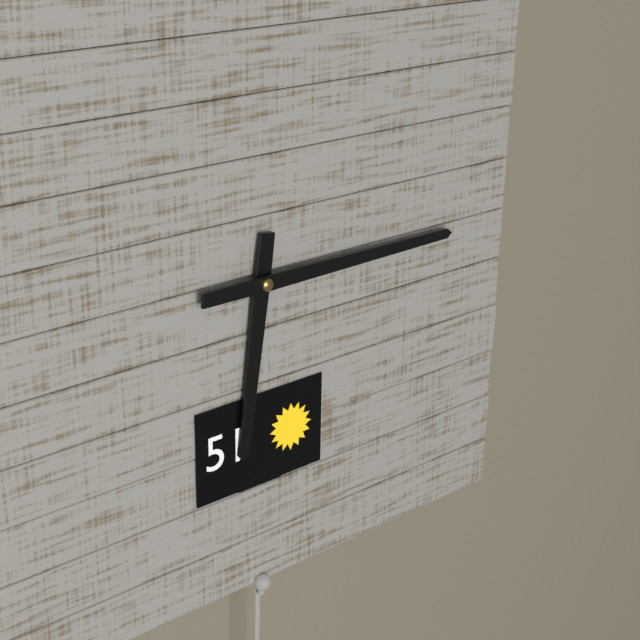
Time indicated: 6:15
